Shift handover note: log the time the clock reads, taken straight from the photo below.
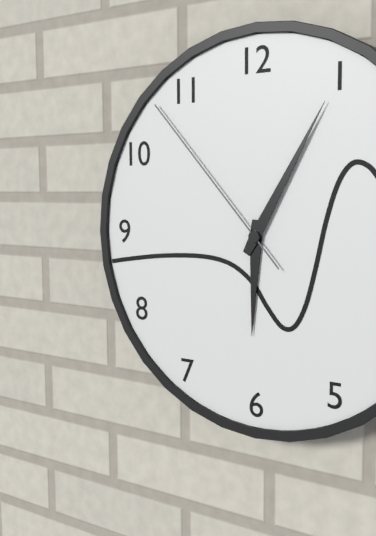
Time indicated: 6:05:53
